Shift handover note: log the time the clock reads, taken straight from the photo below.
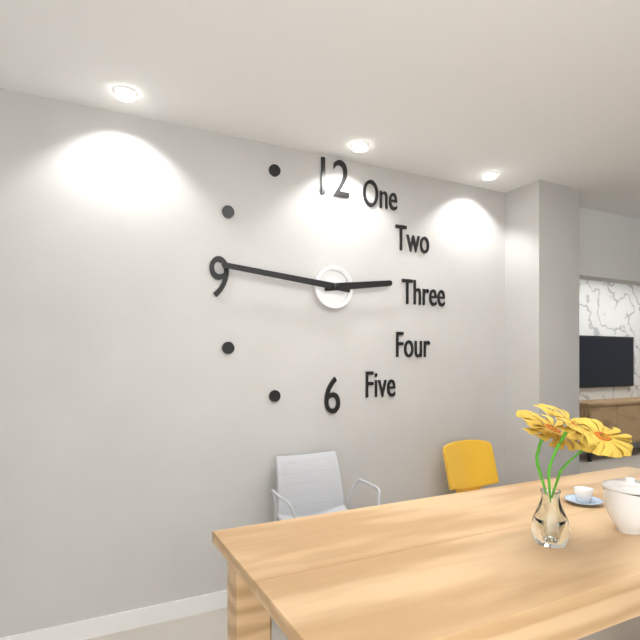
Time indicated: 2:46
